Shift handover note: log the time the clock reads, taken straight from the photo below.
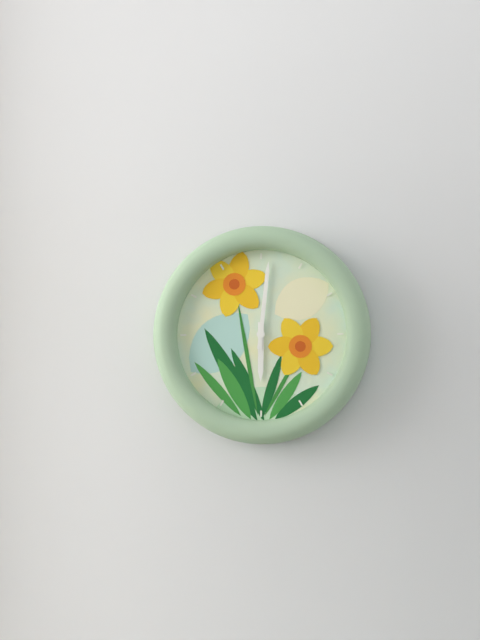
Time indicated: 6:01
